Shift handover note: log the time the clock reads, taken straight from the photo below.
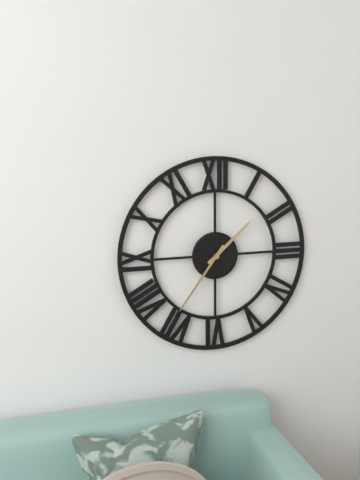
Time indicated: 1:36
